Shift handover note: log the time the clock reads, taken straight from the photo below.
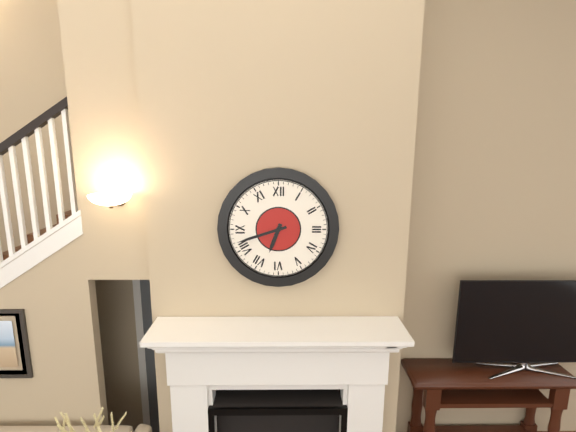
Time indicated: 6:42
